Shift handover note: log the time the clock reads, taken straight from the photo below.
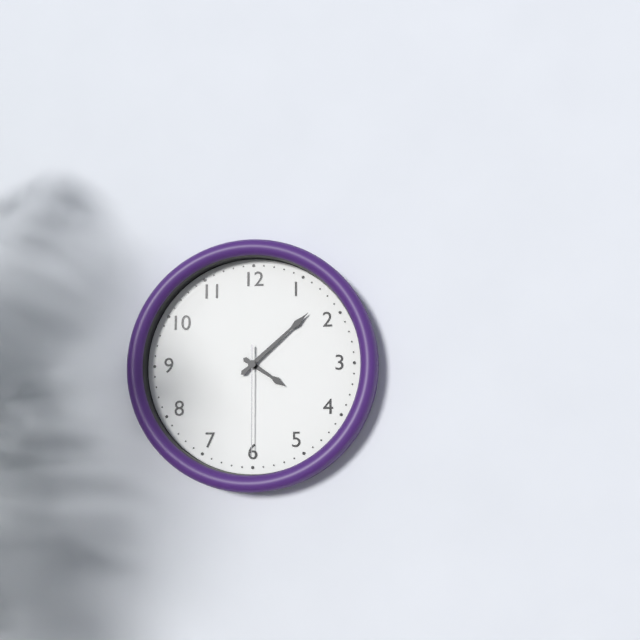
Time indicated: 4:08:30
